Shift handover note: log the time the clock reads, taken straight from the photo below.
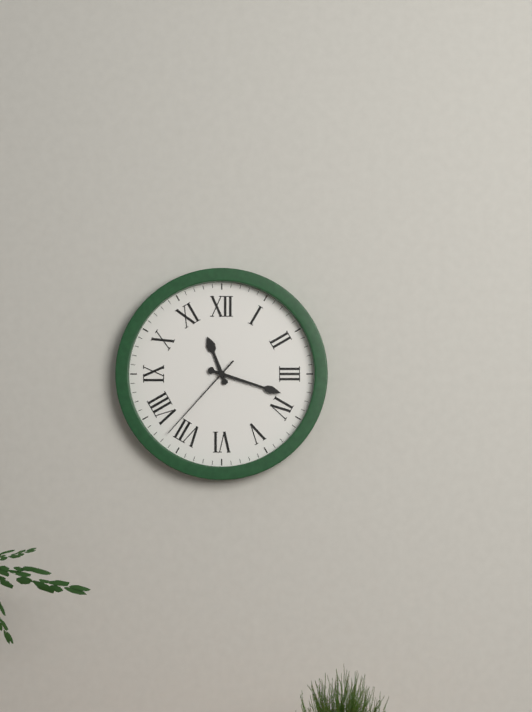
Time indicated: 11:18:37
